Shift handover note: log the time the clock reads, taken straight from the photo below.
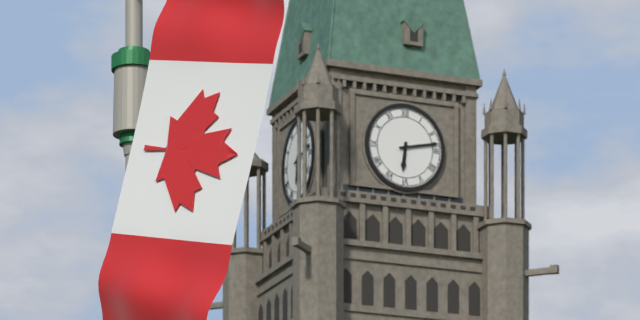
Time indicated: 6:13
